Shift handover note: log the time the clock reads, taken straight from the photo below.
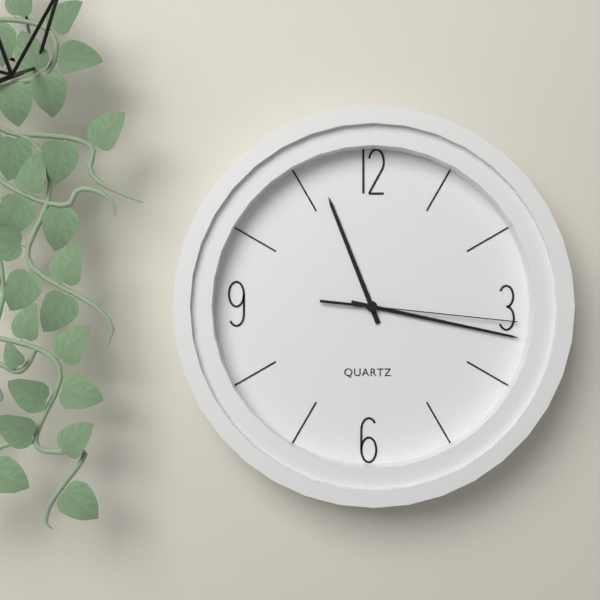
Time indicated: 11:17:16
